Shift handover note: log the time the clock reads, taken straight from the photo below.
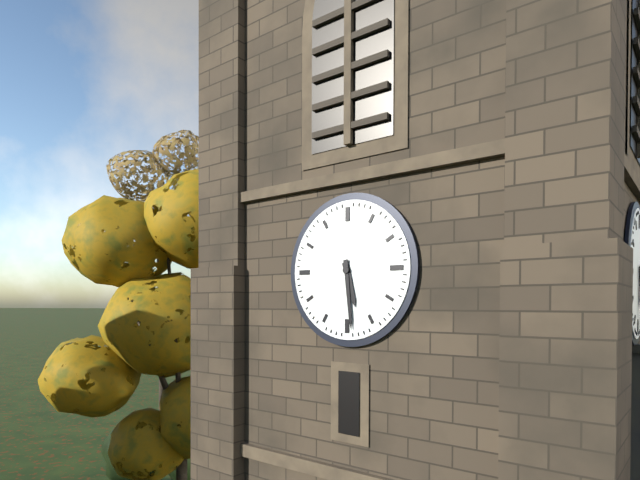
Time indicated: 5:29
